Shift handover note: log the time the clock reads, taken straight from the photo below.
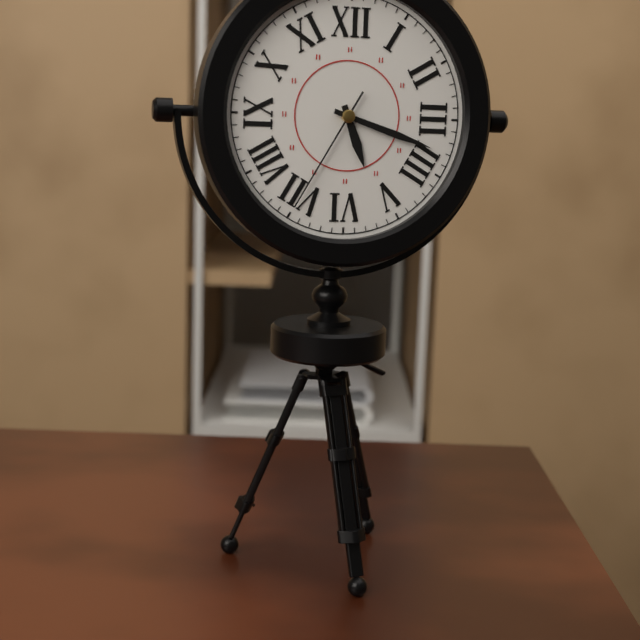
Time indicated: 5:18:35
